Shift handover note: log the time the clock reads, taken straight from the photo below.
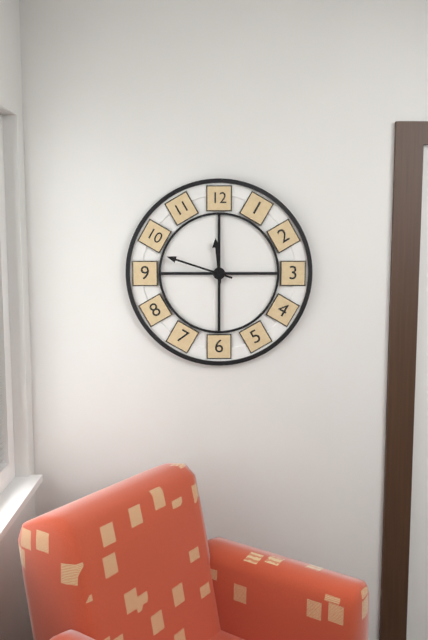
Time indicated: 11:48
